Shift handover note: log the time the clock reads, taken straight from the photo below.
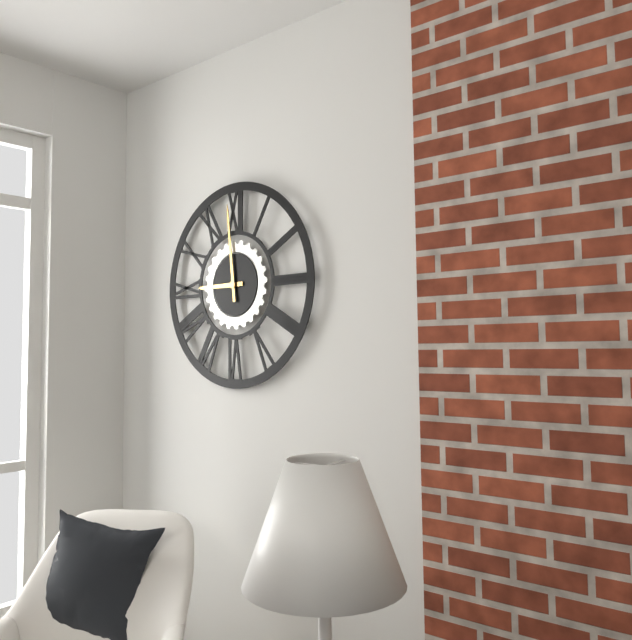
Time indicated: 8:59
